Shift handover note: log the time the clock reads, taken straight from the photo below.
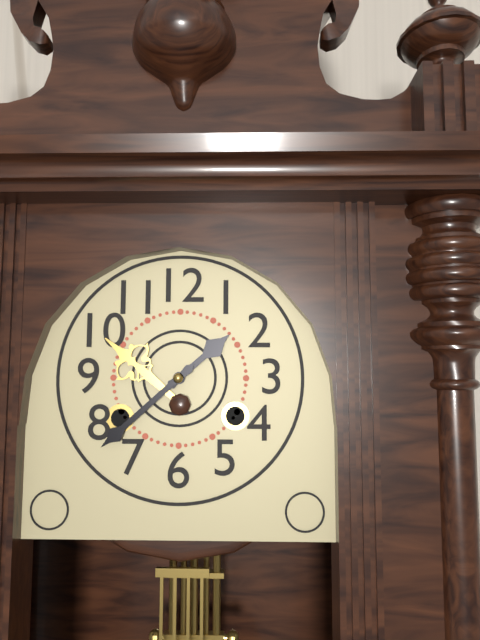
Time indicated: 1:38
